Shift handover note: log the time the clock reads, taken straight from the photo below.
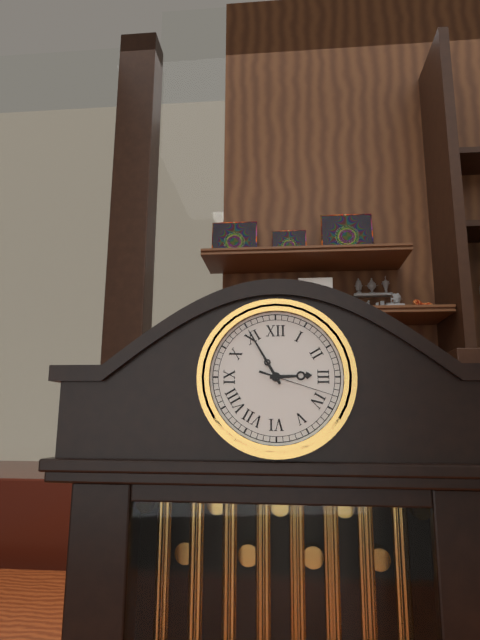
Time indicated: 2:55:18
